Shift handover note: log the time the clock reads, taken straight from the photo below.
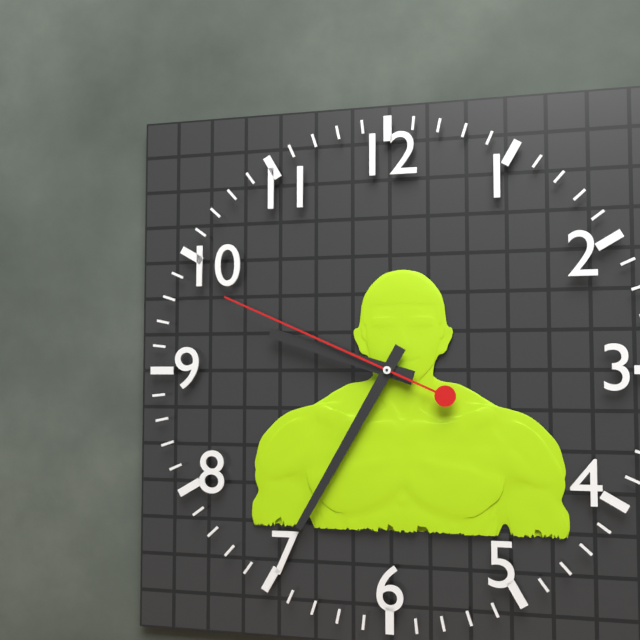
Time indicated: 9:35:49
